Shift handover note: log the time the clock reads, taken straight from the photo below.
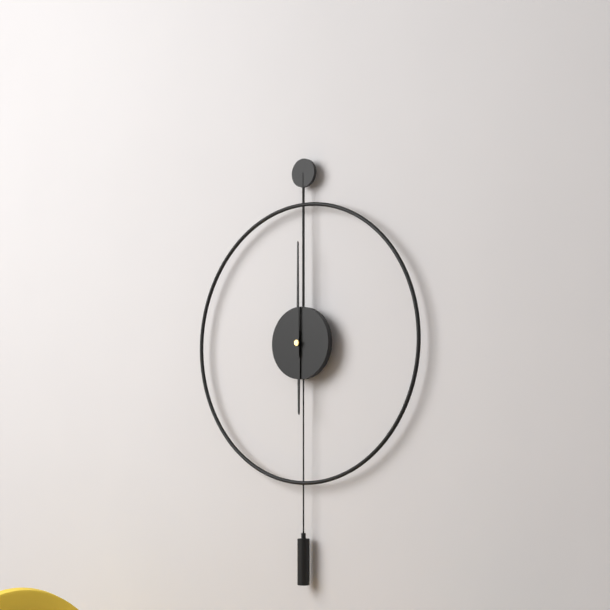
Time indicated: 6:00
